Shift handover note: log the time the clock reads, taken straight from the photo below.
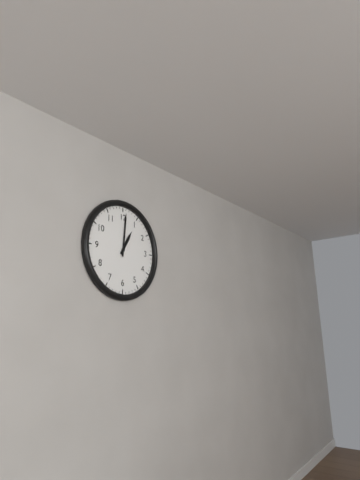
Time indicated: 1:01
